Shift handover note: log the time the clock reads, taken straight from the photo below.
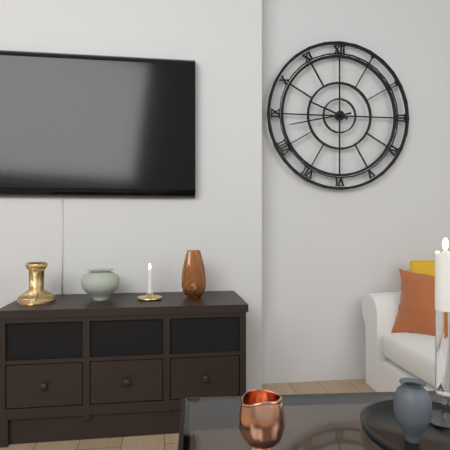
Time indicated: 9:43
